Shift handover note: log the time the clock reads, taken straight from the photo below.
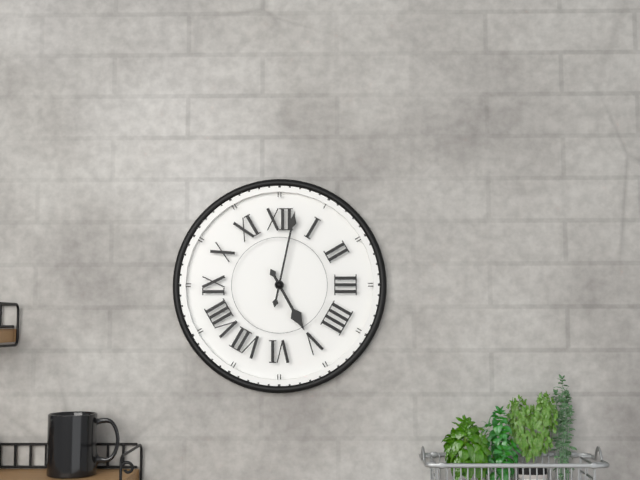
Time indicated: 5:02
